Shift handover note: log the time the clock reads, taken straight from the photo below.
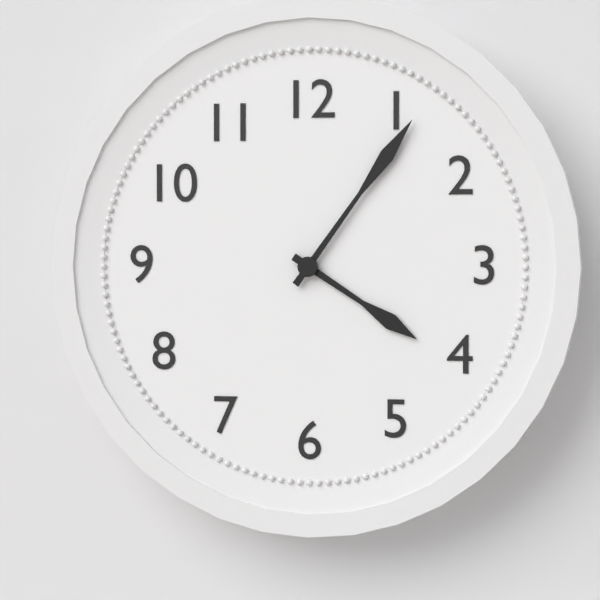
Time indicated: 4:06
